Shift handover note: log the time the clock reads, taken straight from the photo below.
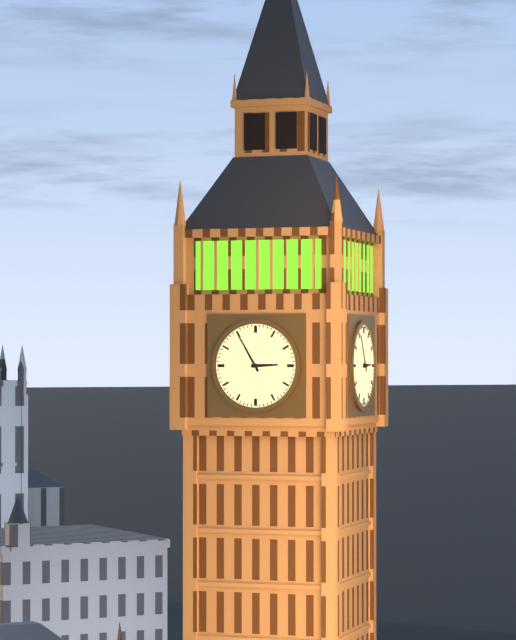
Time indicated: 2:55
